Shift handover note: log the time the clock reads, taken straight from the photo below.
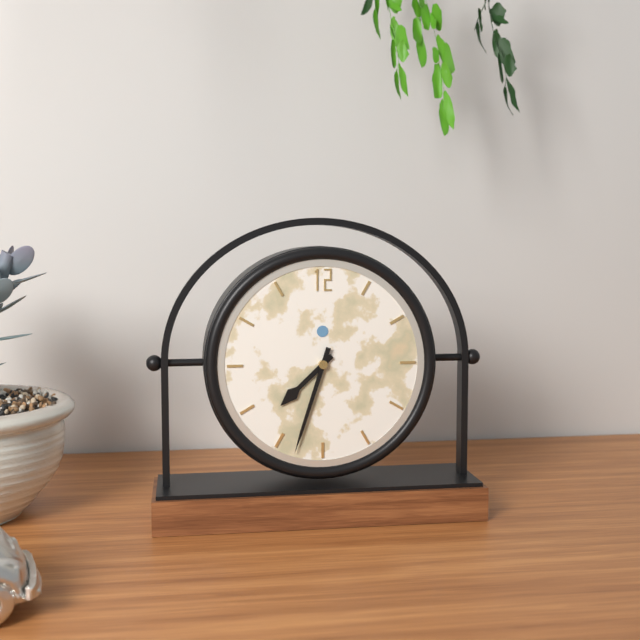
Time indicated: 7:33
